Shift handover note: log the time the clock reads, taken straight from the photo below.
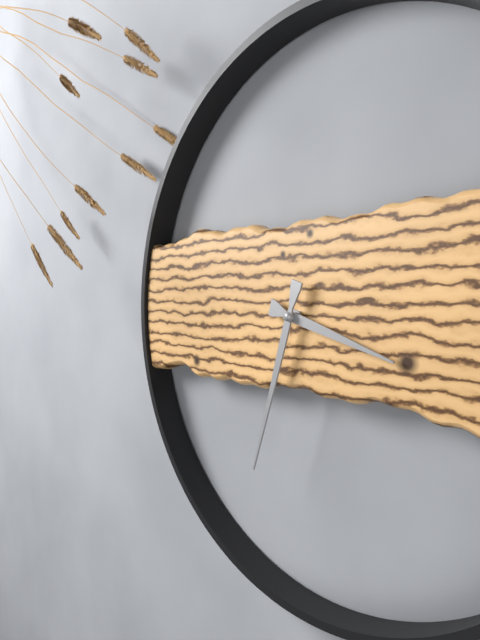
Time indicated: 3:33
